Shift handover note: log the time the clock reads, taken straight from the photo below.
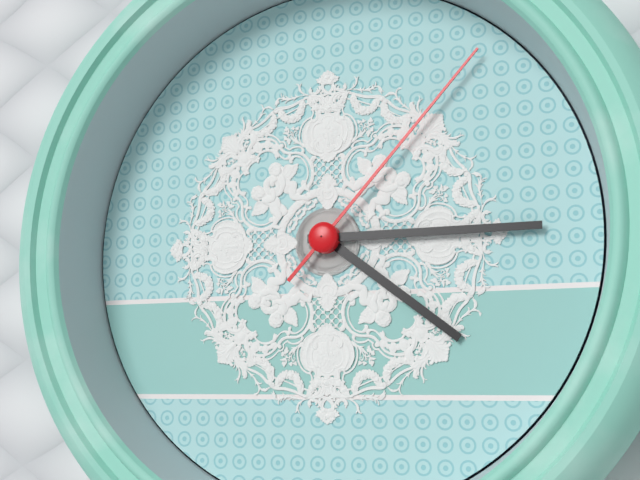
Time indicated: 4:15:07
